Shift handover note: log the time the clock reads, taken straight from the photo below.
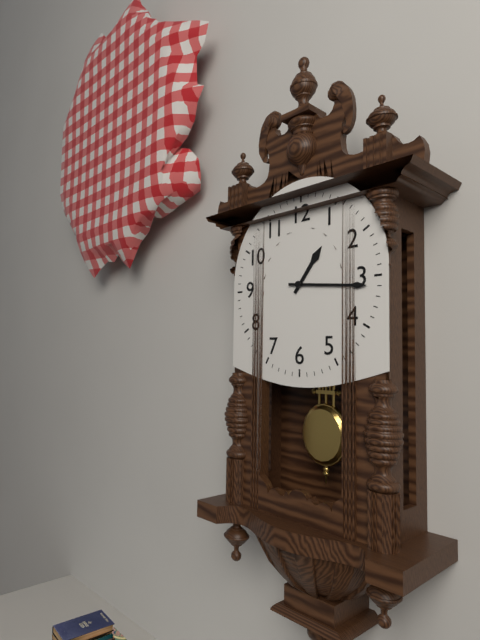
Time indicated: 1:16
